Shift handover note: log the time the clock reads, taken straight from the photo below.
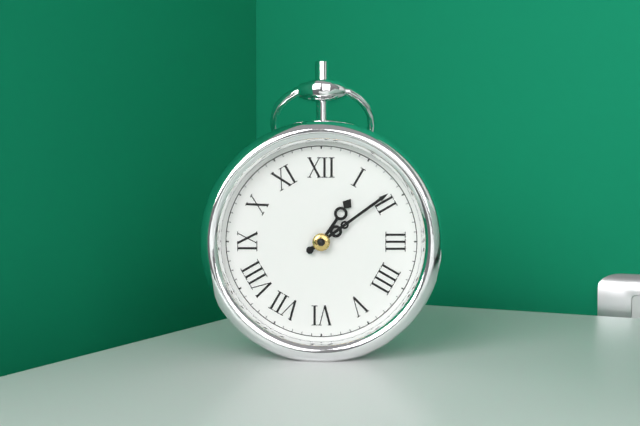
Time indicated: 1:09
